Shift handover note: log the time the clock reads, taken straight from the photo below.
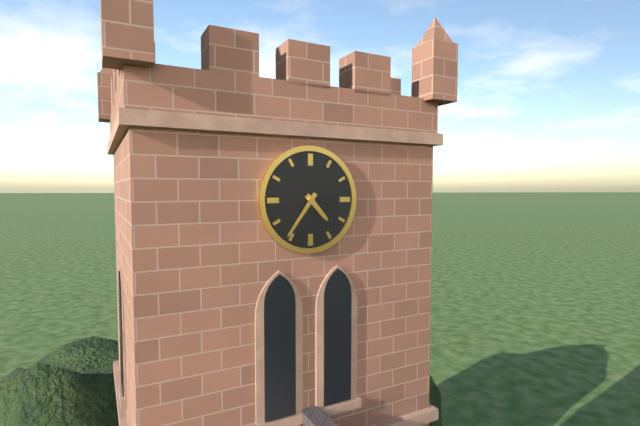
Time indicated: 4:36
